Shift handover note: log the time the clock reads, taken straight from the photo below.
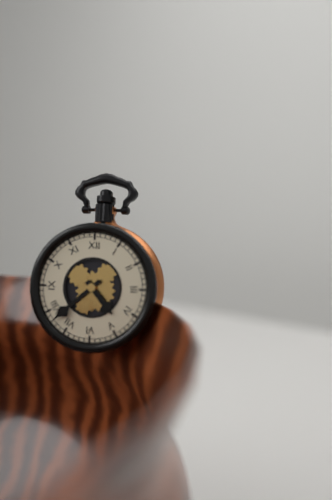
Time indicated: 4:38
